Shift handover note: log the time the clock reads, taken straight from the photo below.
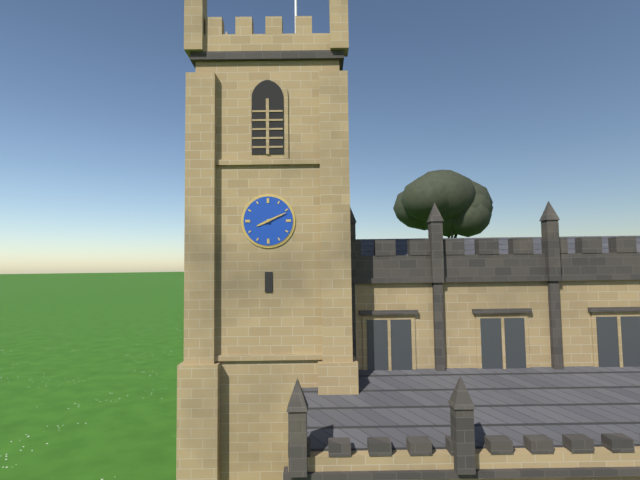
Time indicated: 8:11
